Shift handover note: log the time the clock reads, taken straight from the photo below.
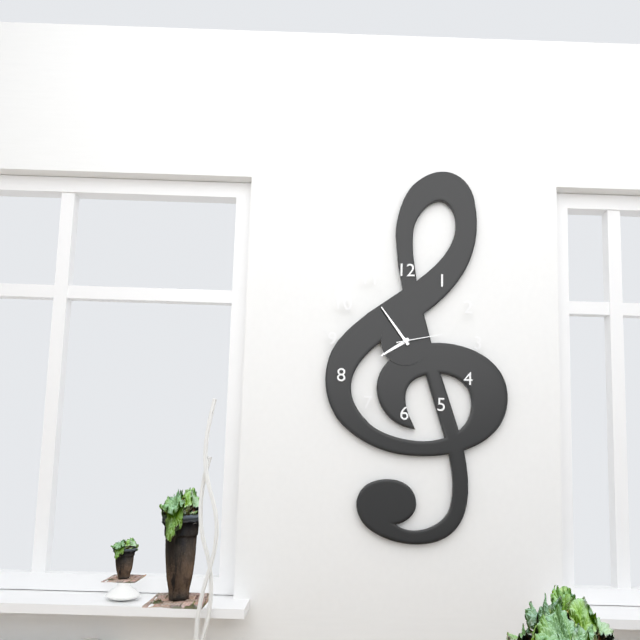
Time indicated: 7:54
